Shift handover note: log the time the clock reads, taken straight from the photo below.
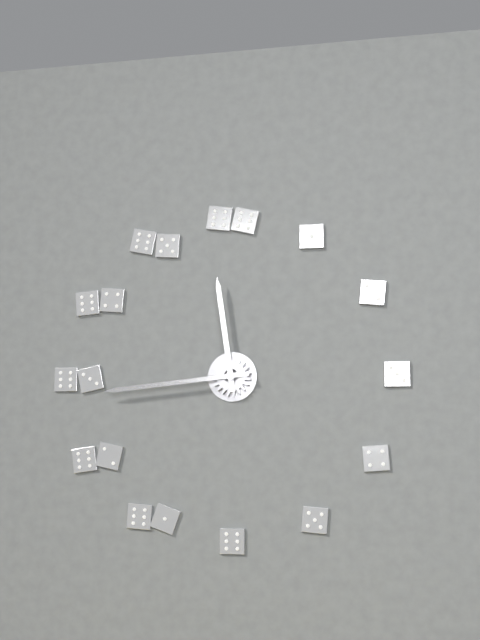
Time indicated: 11:44
